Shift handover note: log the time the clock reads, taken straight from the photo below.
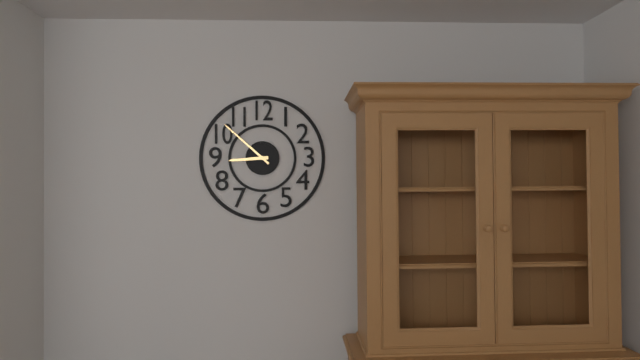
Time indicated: 8:52
